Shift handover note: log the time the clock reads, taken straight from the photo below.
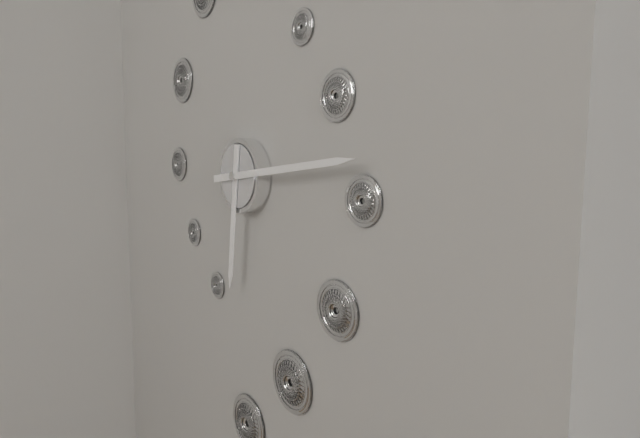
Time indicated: 6:14
